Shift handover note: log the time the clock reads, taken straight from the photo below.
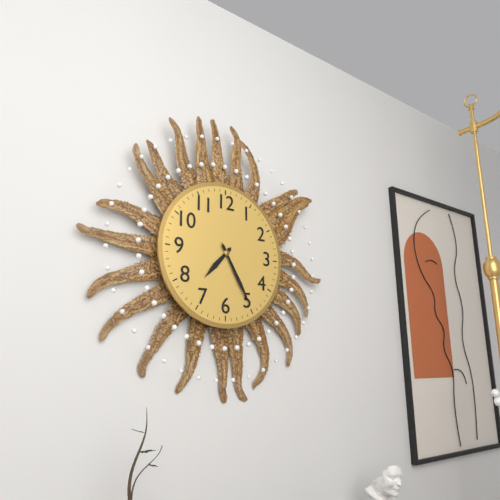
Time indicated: 7:25
